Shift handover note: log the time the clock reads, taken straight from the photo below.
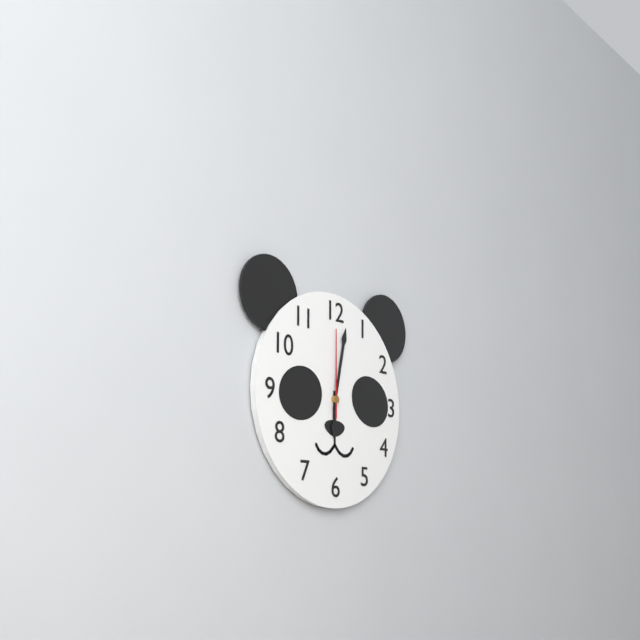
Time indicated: 6:02:00
